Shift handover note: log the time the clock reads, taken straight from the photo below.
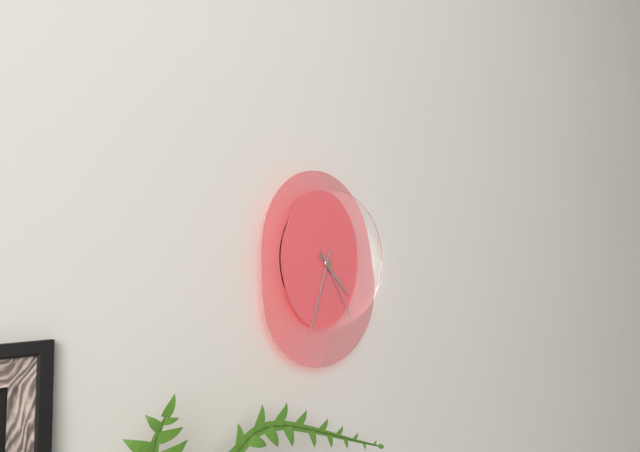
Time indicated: 4:33:25
